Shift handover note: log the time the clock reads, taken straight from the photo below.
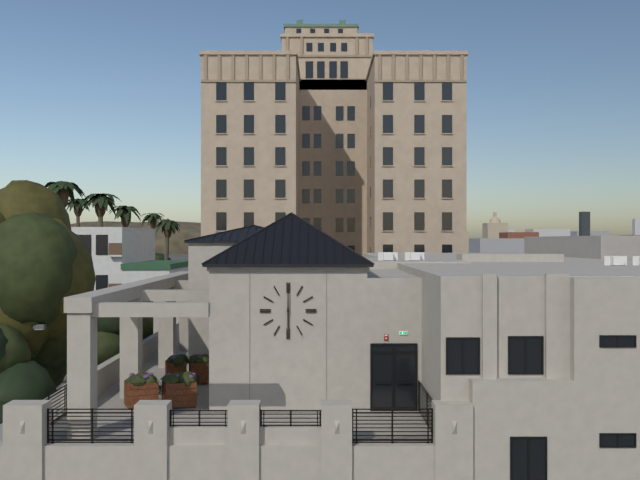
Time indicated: 6:00
